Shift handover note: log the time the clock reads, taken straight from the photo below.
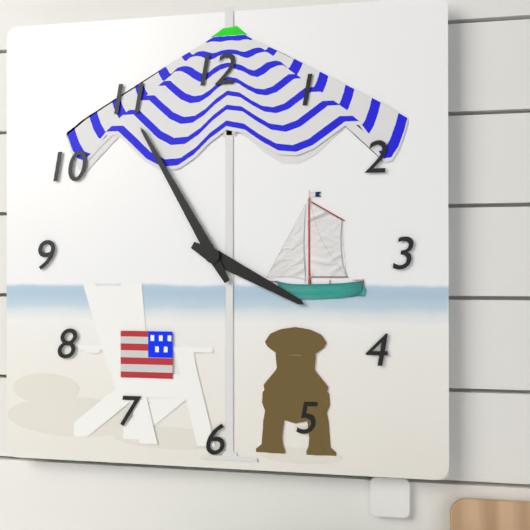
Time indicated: 3:55
